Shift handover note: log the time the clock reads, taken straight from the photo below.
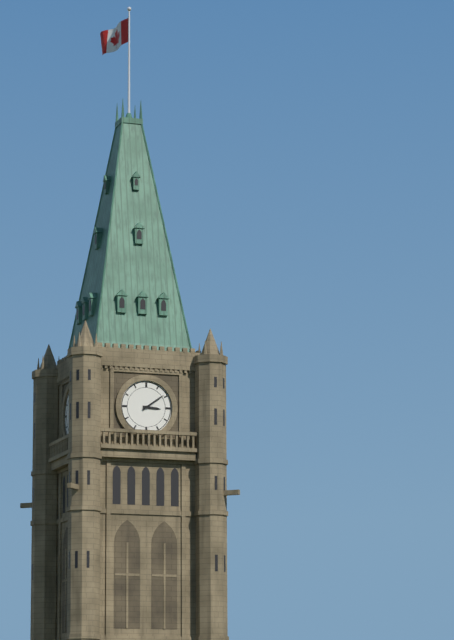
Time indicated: 3:09
